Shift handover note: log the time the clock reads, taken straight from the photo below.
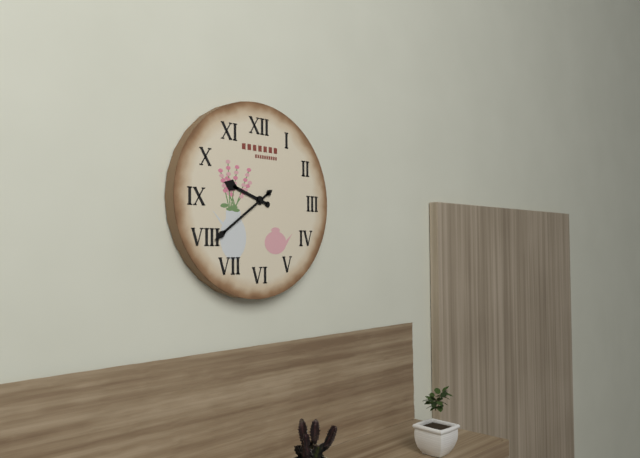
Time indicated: 9:39
